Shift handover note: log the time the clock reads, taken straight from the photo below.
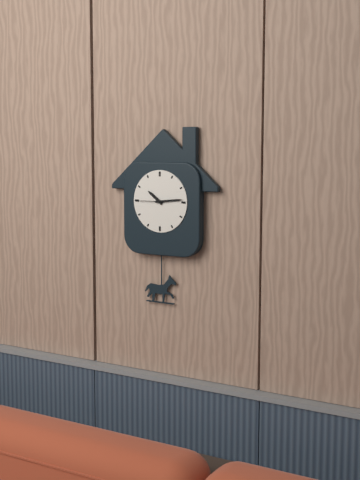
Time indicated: 10:14
